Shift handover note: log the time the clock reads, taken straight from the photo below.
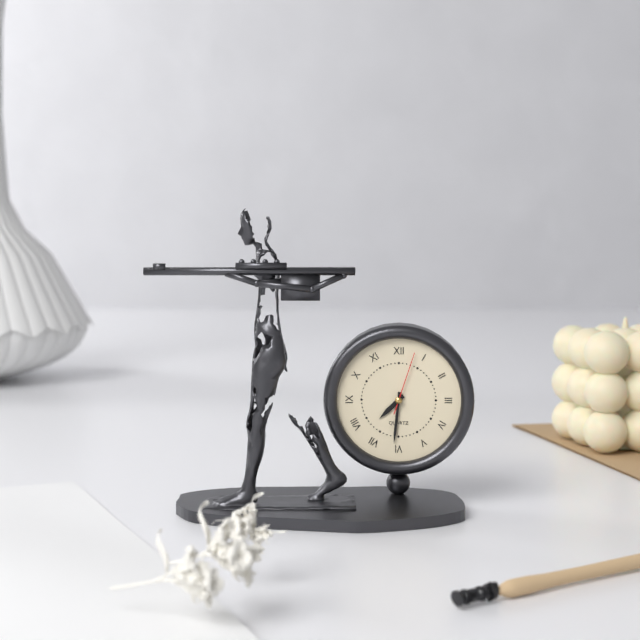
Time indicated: 7:31:03
